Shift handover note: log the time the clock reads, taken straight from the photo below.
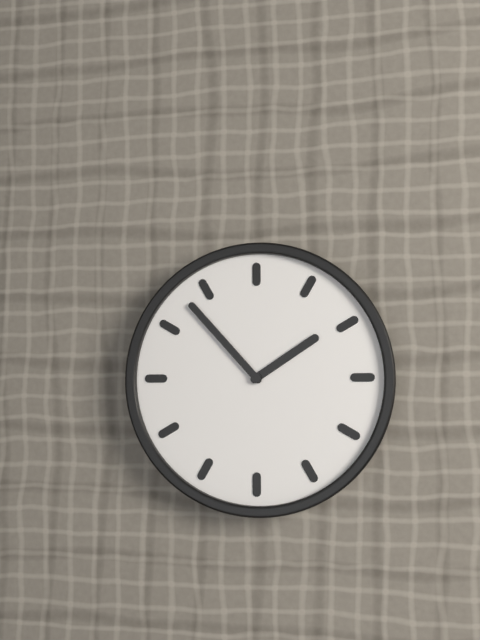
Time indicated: 1:53
